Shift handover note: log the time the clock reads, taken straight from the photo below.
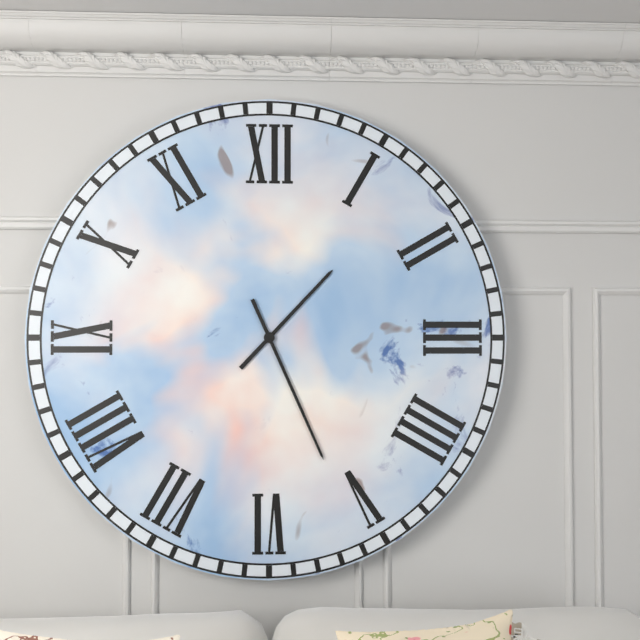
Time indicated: 1:26
